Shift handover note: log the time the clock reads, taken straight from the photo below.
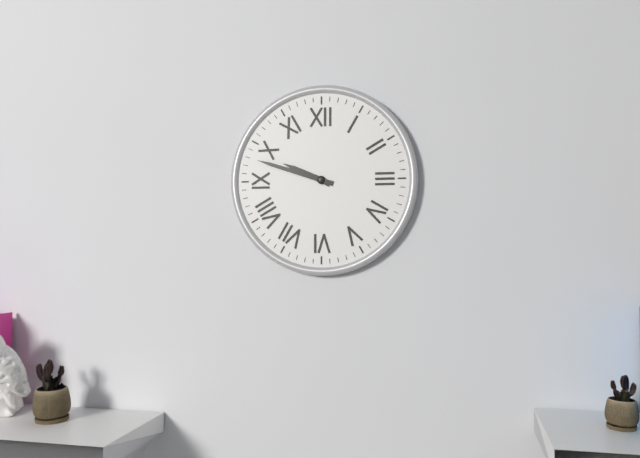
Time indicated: 9:48
